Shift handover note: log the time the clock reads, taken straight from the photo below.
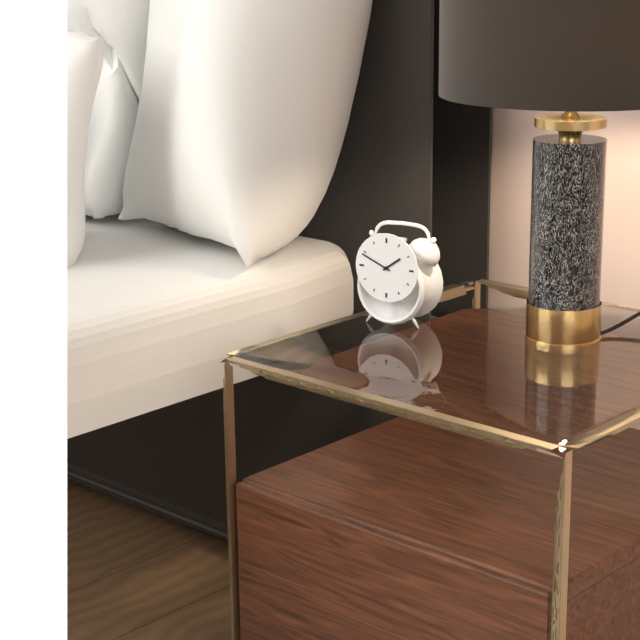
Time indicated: 1:49
